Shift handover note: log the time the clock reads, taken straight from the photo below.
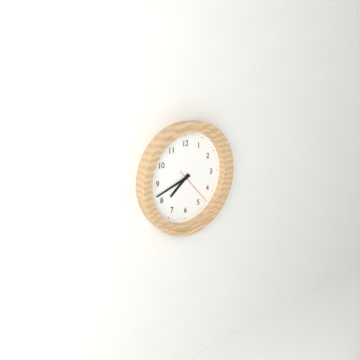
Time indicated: 7:42
